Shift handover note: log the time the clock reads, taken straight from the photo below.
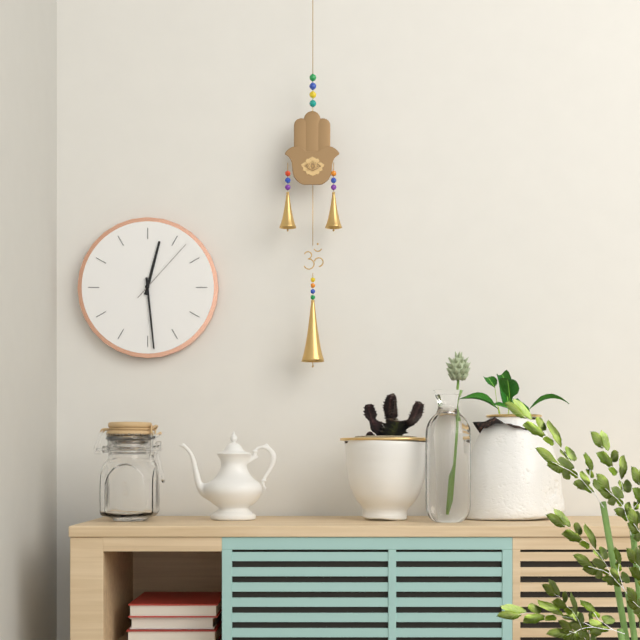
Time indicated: 12:29:07
